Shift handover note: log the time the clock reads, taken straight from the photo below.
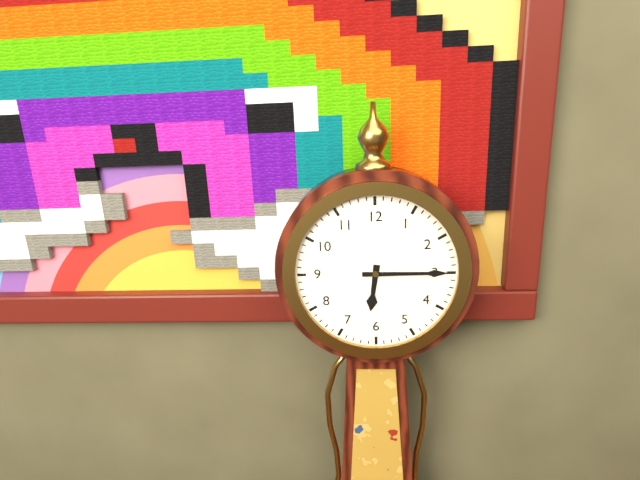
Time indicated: 6:15
